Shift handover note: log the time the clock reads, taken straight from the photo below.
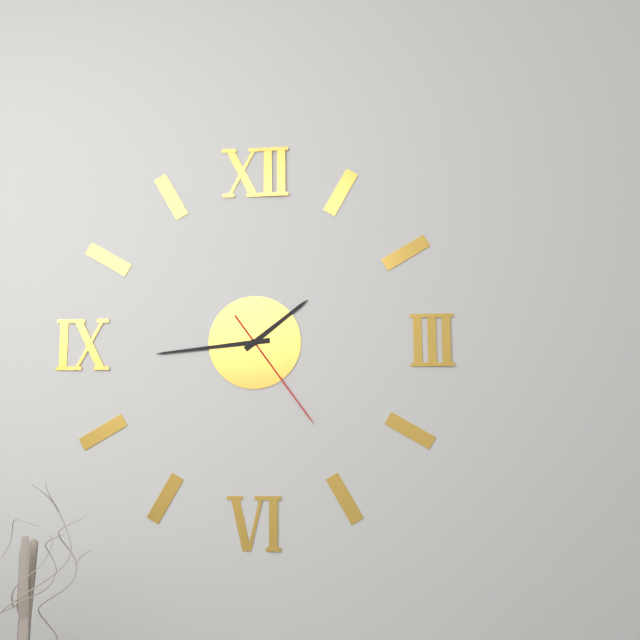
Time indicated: 1:44:24
